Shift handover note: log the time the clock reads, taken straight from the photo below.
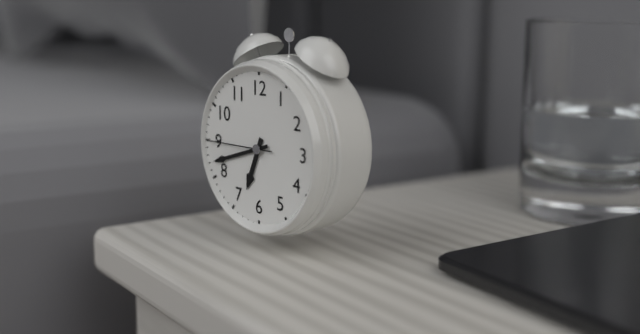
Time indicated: 6:42:45
